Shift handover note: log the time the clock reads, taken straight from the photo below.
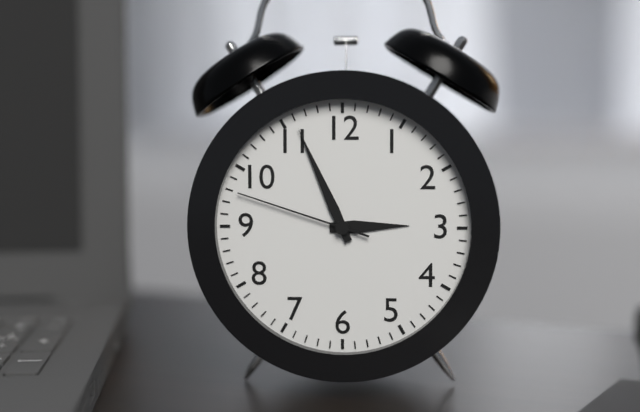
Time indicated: 2:56:48
